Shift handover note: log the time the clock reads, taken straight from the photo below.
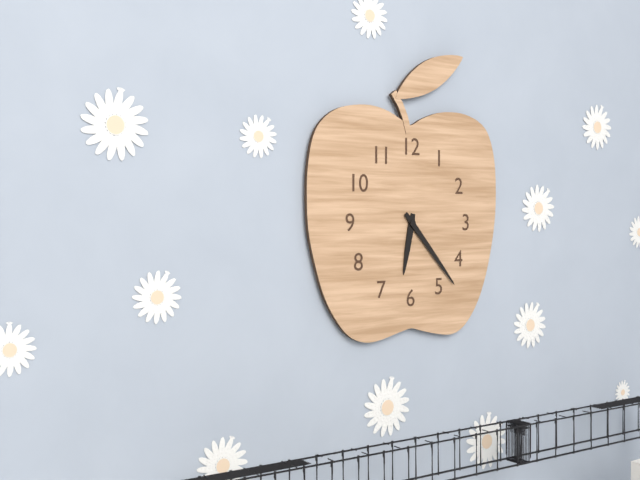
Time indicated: 6:23
